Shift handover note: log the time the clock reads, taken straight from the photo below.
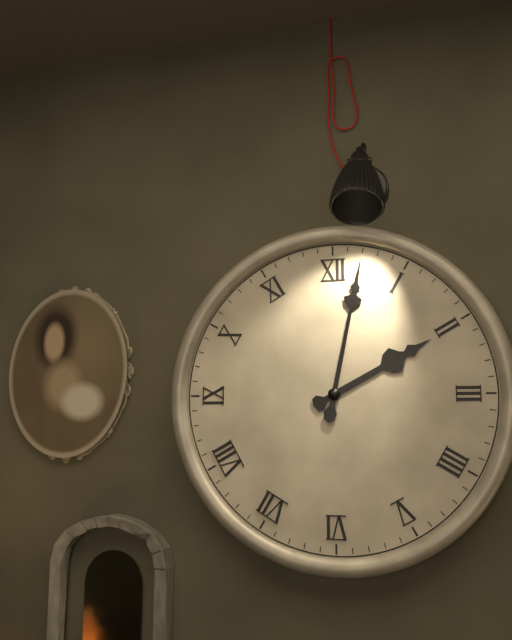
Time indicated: 2:02
